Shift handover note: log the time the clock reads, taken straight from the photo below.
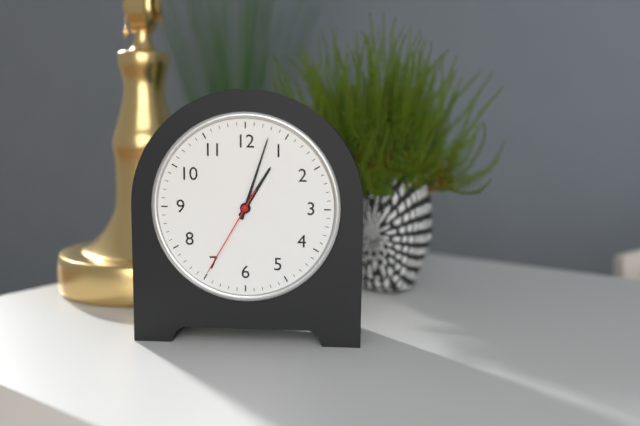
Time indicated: 1:03:35
